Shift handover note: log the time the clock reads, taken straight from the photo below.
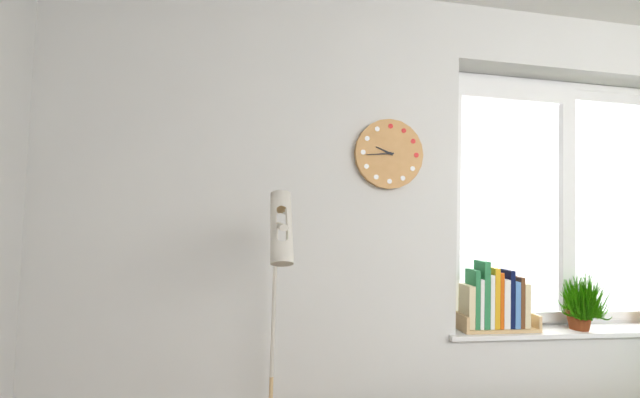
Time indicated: 9:44
